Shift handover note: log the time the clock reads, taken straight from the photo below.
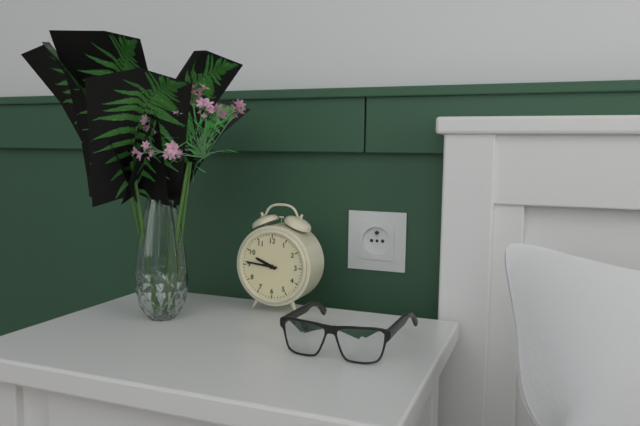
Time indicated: 9:46
